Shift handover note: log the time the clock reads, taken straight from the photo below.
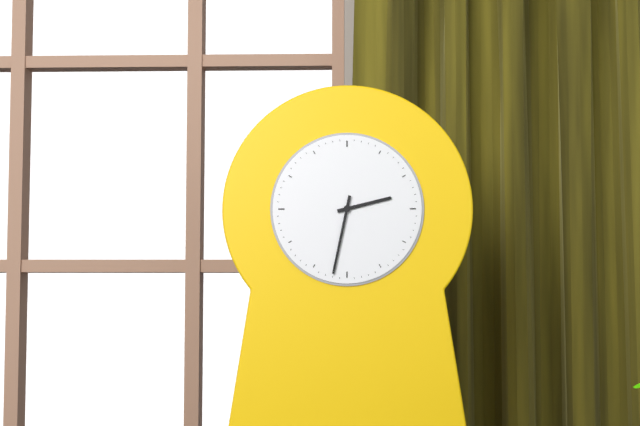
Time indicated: 2:32
